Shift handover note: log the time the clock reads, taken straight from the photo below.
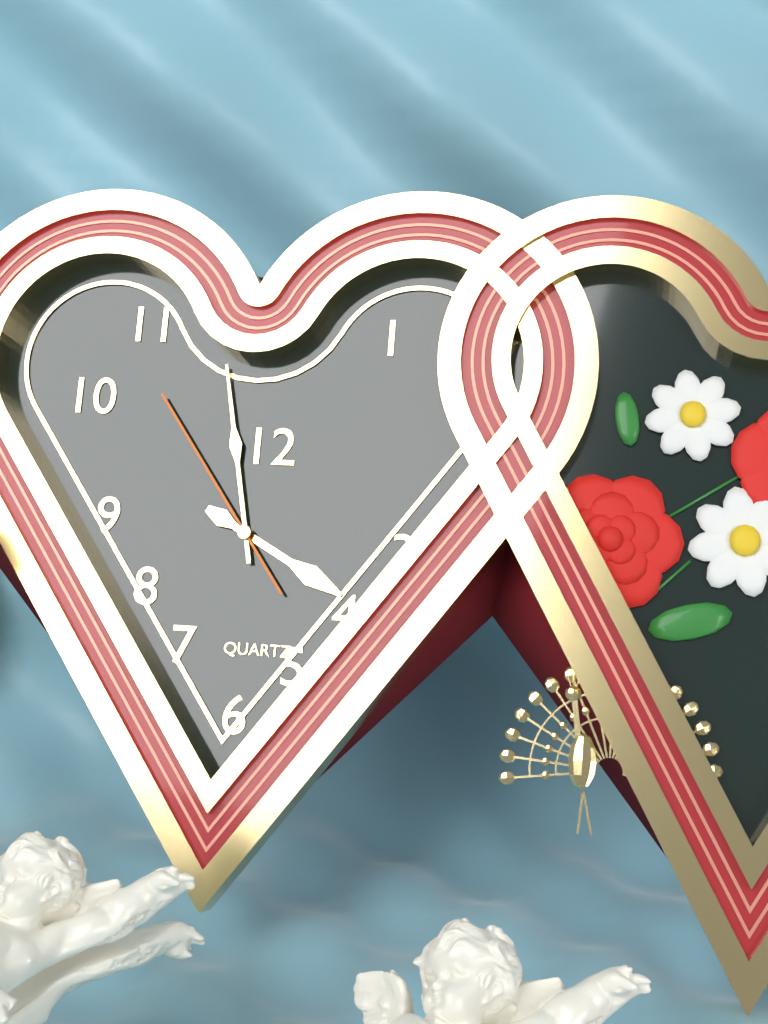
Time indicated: 3:58:54
